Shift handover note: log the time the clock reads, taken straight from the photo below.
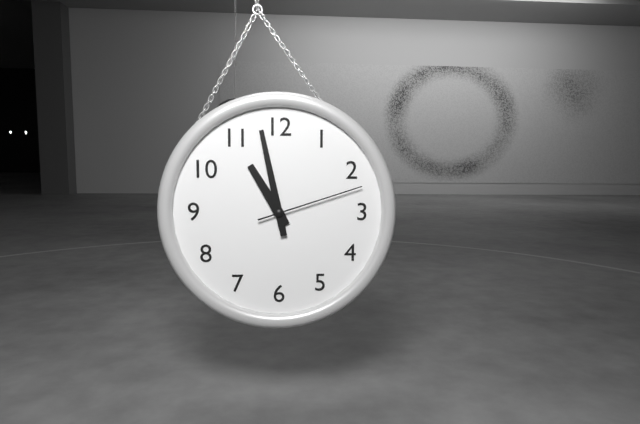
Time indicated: 10:58:12
